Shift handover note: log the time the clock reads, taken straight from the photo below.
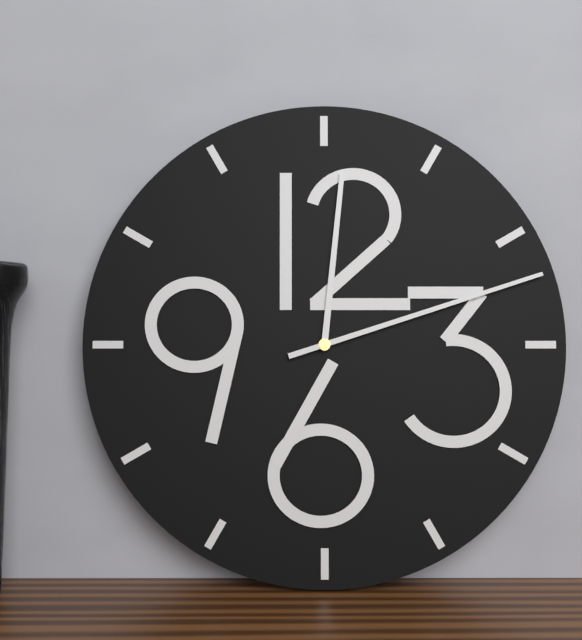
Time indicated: 12:12
